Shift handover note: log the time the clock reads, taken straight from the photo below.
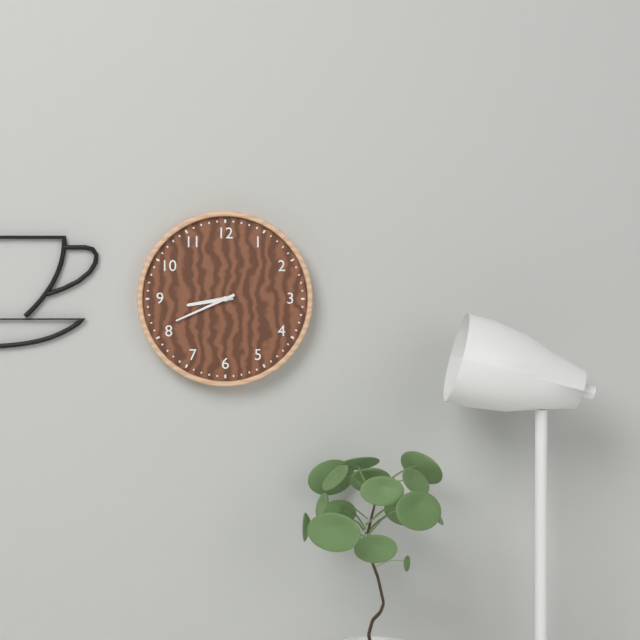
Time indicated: 8:41
